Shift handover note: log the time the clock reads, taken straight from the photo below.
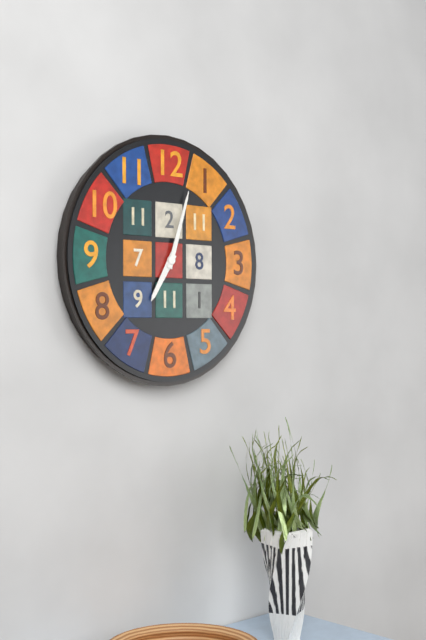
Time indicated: 7:03
